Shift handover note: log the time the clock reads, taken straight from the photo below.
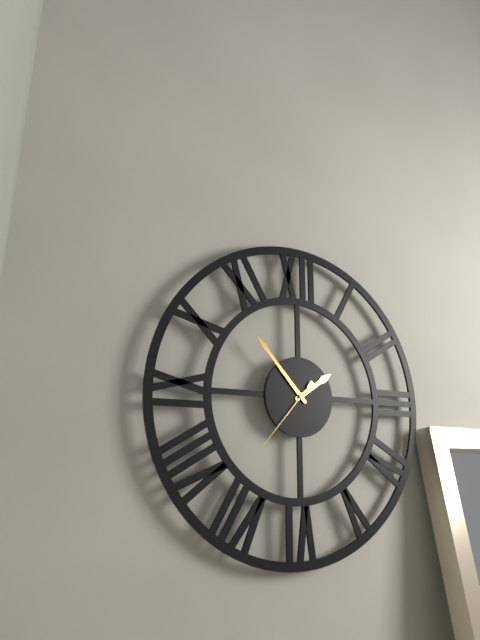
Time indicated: 1:53:37
